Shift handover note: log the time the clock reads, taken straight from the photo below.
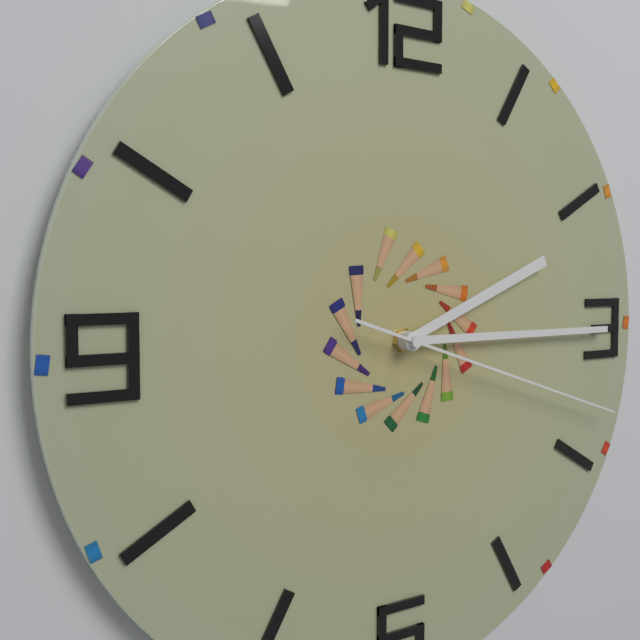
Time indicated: 2:15:18
